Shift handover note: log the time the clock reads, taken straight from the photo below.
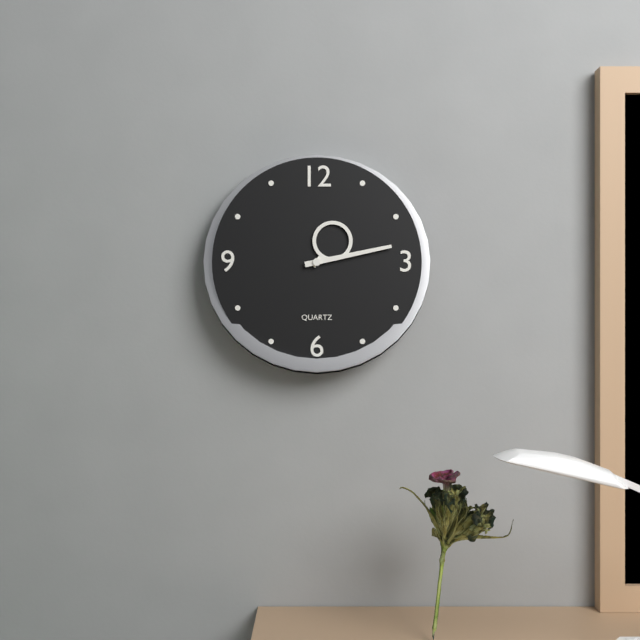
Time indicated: 1:13
